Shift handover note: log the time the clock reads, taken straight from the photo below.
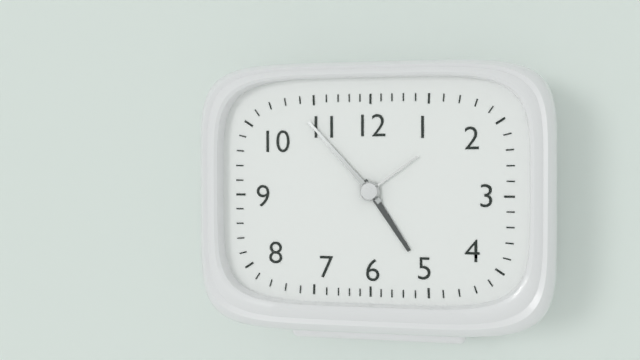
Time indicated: 4:53:09
